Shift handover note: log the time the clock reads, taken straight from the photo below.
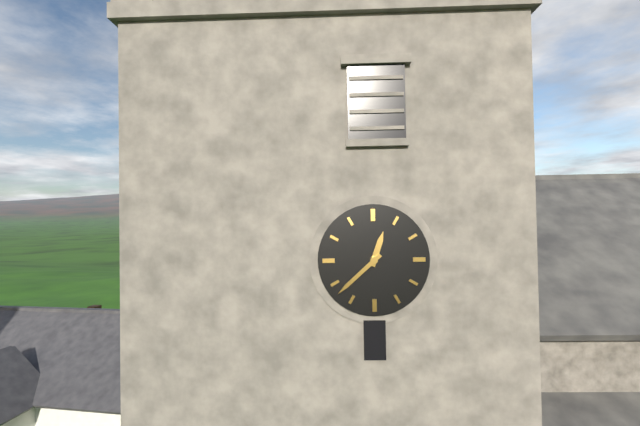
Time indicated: 12:38
